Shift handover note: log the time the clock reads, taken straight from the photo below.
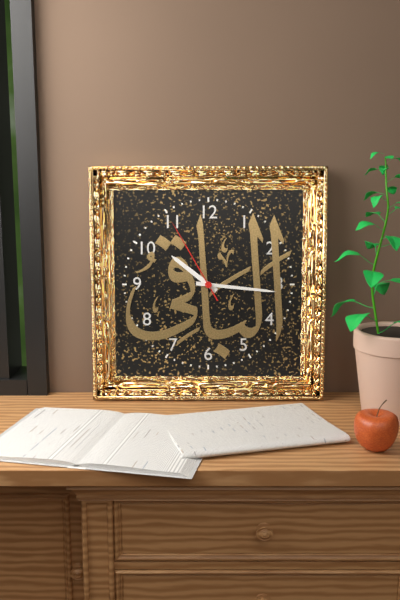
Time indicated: 10:16:55
